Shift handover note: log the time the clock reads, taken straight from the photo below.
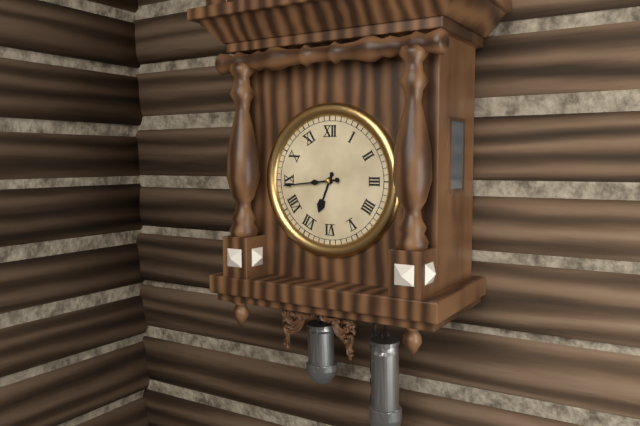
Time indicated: 6:44
